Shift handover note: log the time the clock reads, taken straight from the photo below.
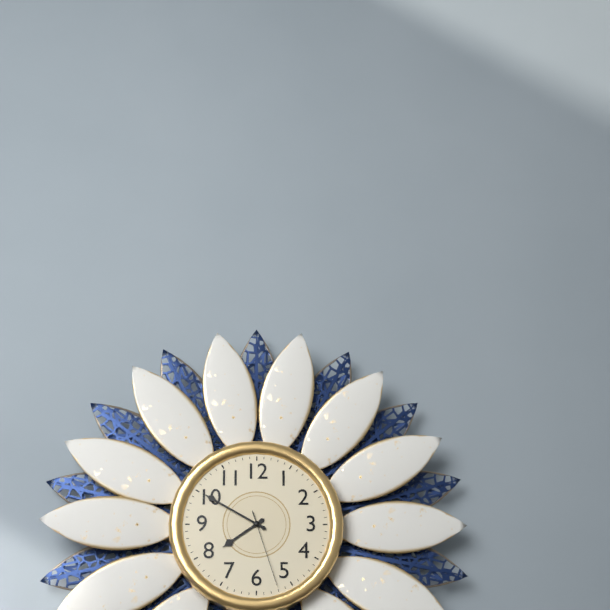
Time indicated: 7:50:27
